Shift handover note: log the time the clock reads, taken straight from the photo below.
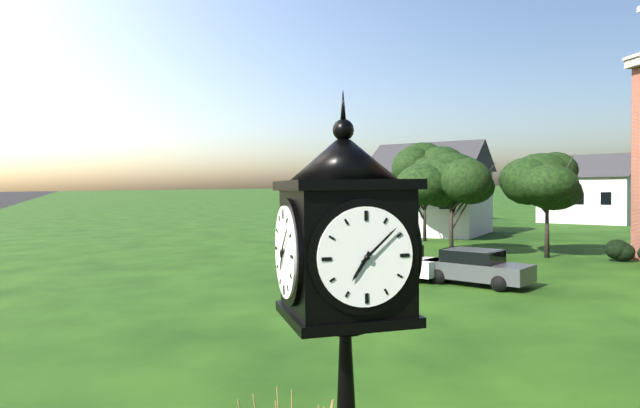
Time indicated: 7:08
